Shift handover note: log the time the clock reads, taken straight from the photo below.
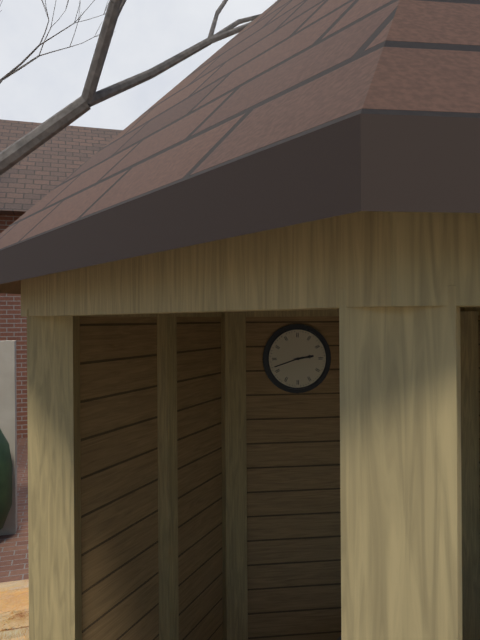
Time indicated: 2:42
